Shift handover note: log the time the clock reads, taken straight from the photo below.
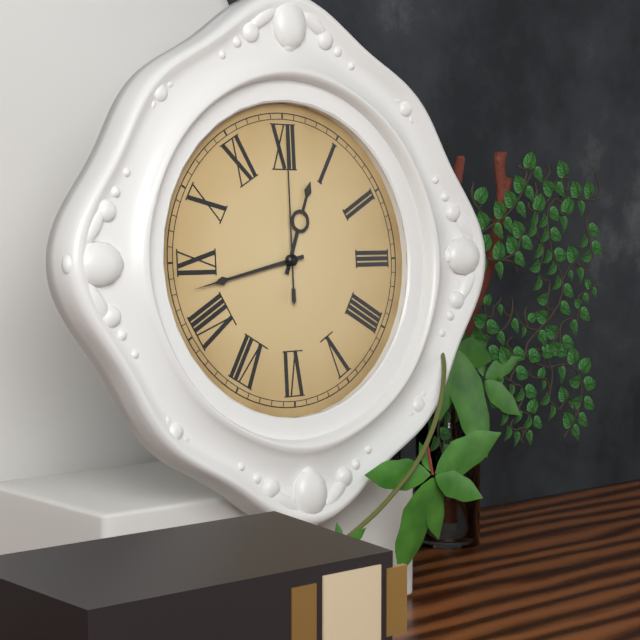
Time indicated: 12:43:00
